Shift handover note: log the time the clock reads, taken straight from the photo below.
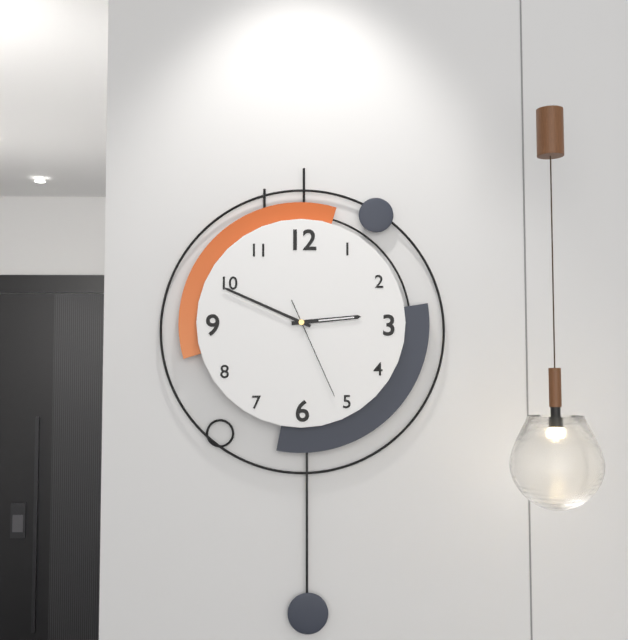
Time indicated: 2:49:26
